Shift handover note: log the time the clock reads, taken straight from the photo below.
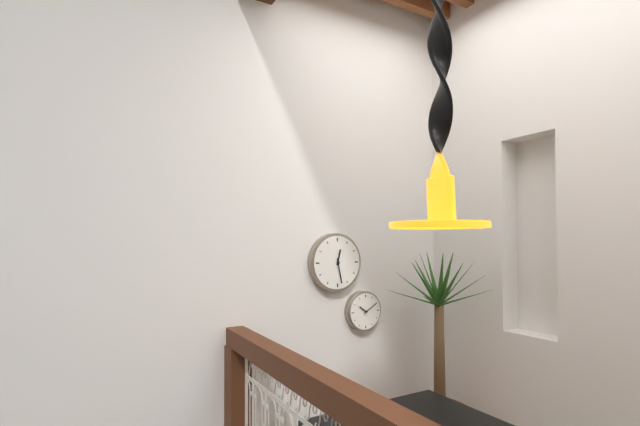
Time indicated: 12:28
